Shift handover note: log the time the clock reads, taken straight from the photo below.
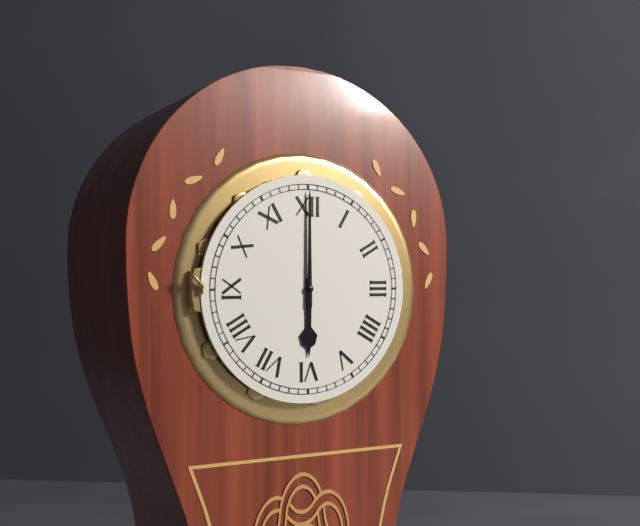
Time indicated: 6:00
